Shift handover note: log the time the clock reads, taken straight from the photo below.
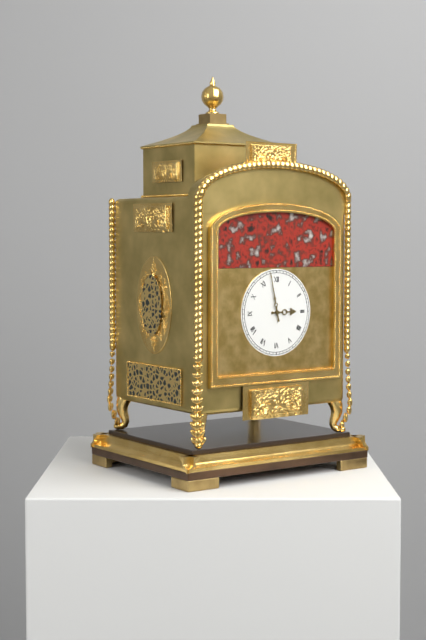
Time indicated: 2:58
